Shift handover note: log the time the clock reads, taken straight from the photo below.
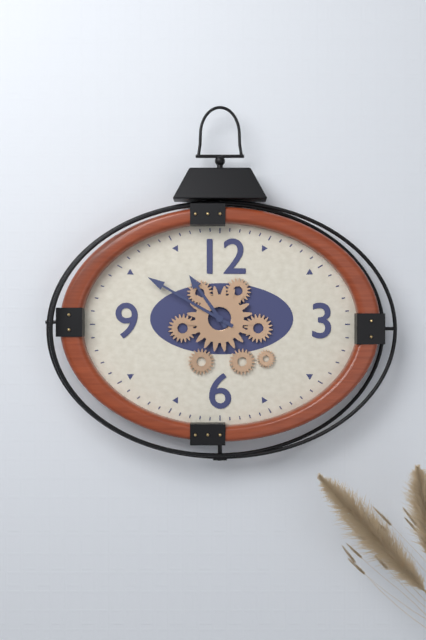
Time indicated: 10:50
